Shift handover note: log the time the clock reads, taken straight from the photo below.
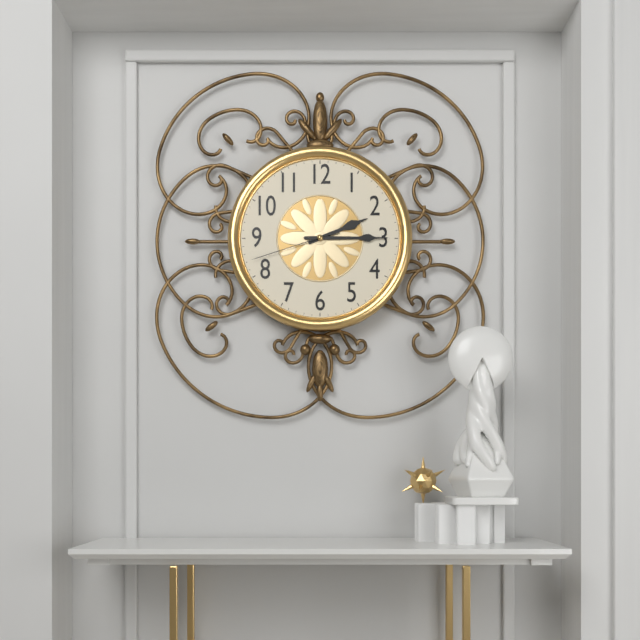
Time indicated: 2:15:42
